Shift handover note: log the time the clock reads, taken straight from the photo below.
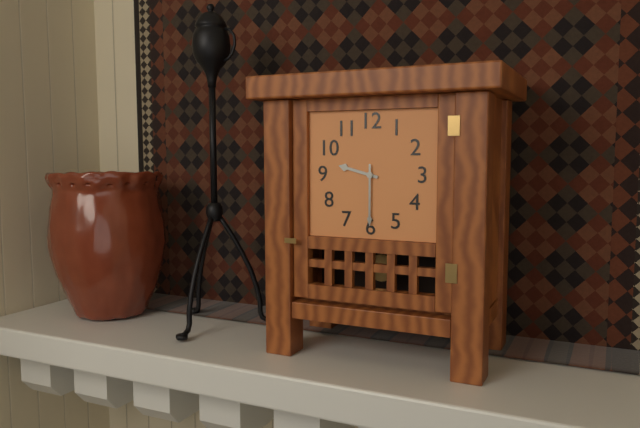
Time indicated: 9:30
